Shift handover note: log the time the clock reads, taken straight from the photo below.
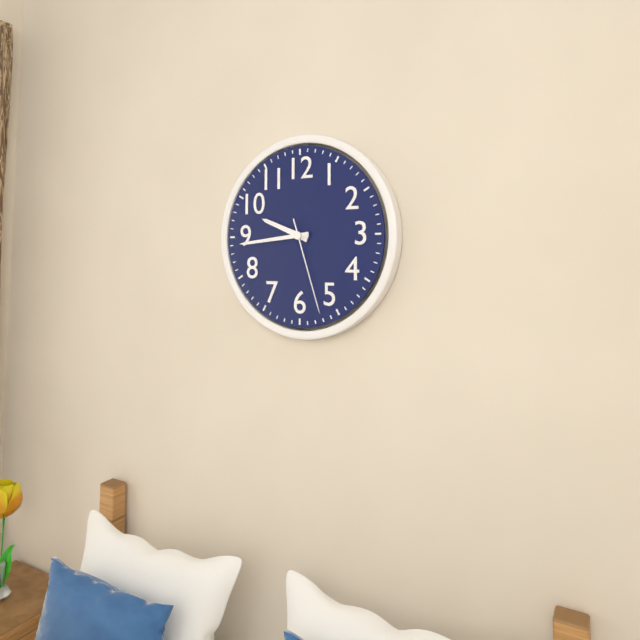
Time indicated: 9:44:27
